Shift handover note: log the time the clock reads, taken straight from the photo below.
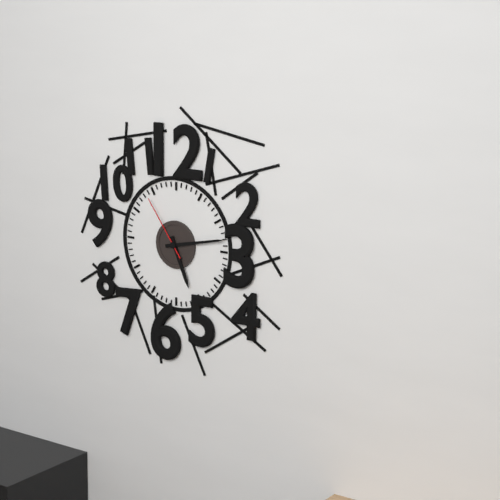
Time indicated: 5:13:54
